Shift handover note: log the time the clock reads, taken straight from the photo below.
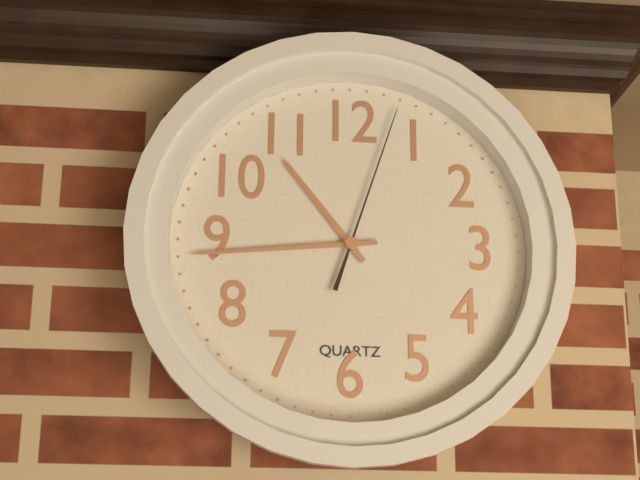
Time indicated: 10:44:03
